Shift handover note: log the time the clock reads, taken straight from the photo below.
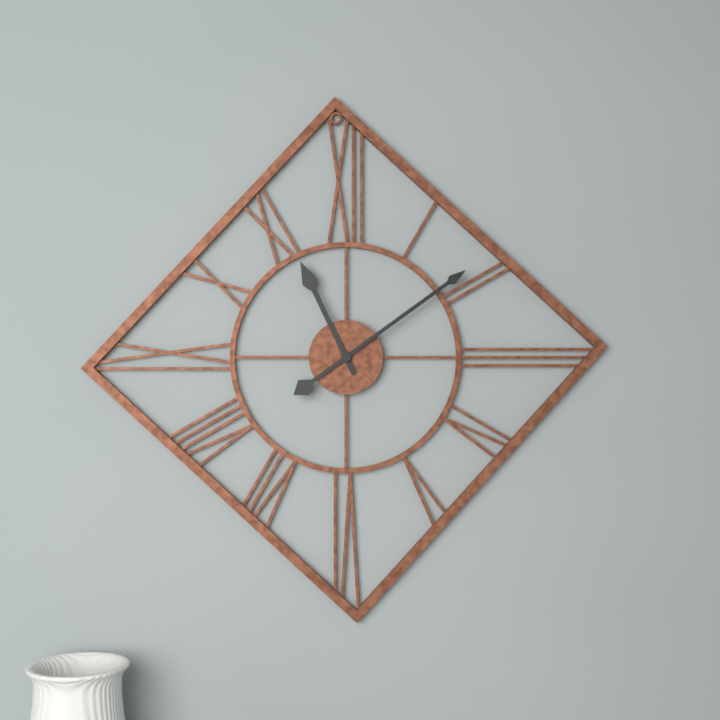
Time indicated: 11:09
